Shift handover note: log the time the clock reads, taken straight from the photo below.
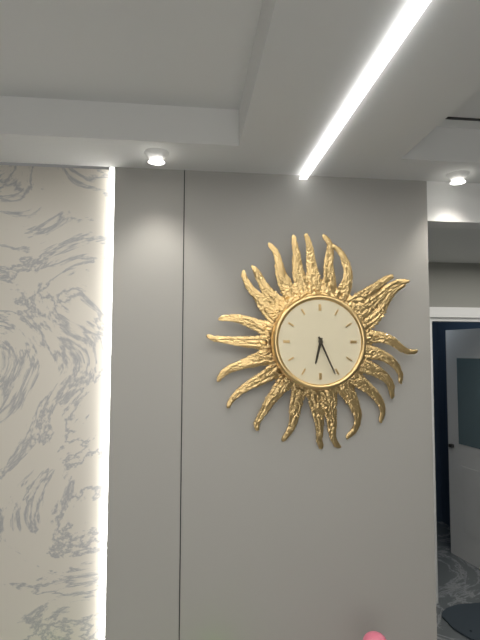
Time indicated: 6:26
